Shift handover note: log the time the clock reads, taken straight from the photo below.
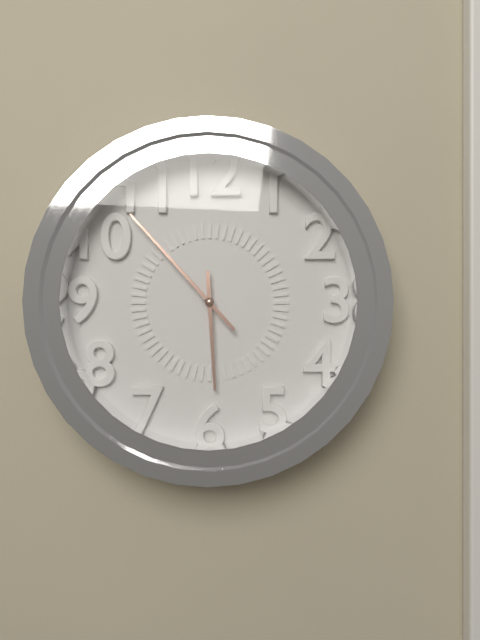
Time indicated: 5:53
